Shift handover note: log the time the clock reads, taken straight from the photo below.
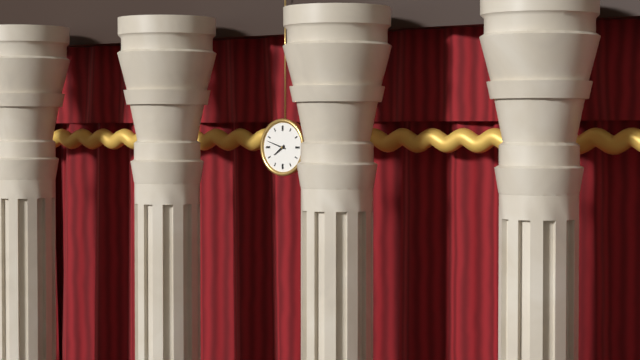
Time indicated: 7:48
